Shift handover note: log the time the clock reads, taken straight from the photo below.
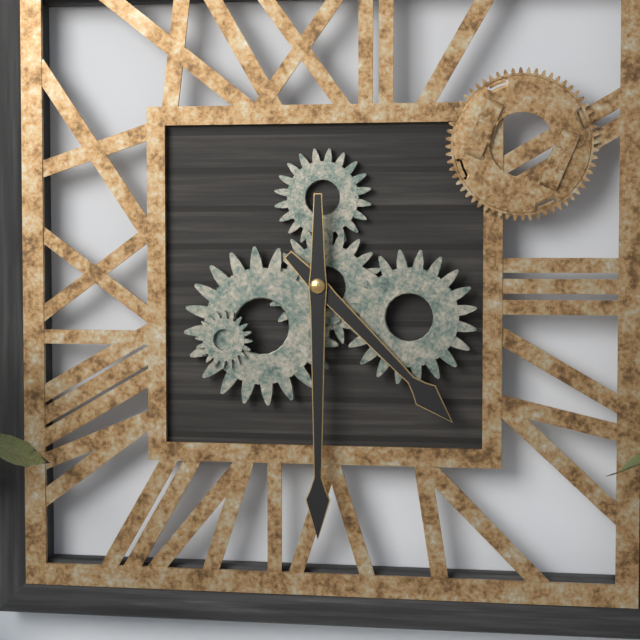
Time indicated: 4:30
